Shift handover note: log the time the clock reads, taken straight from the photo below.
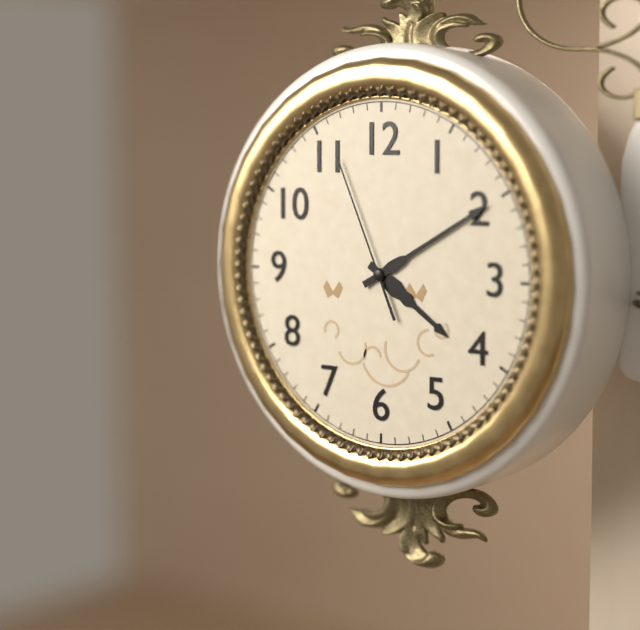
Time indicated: 4:10:56
